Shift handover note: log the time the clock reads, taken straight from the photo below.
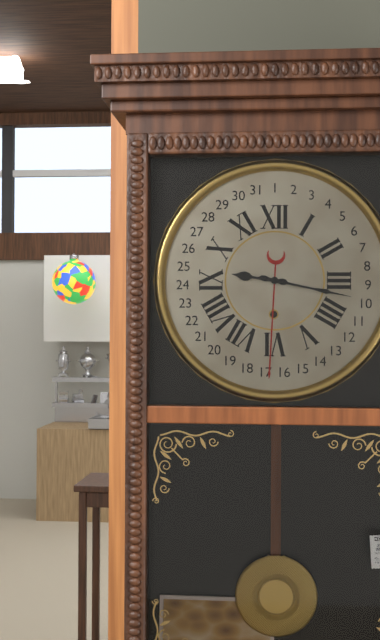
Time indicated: 9:17
